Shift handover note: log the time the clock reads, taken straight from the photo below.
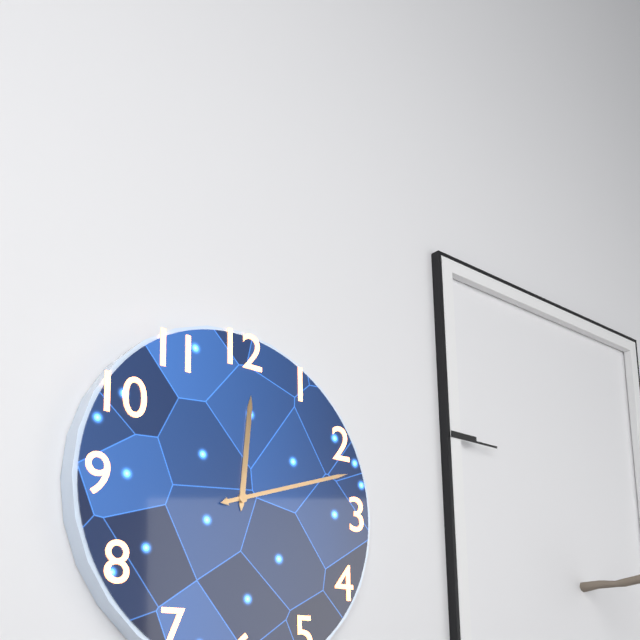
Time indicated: 12:12
